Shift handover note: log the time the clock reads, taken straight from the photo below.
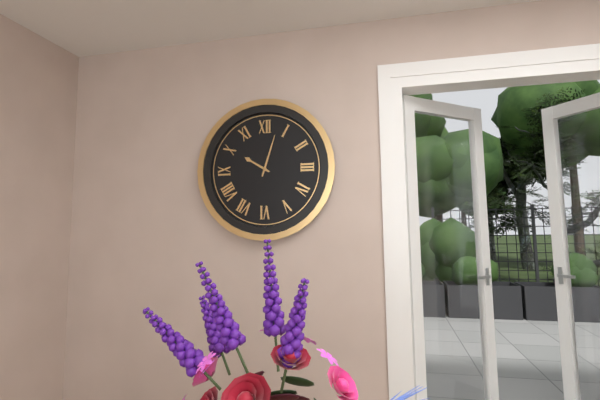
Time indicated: 10:03
